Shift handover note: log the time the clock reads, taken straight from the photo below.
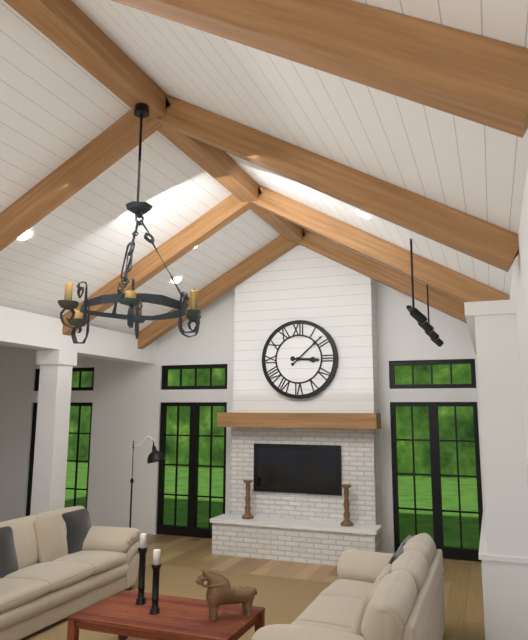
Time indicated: 3:08
